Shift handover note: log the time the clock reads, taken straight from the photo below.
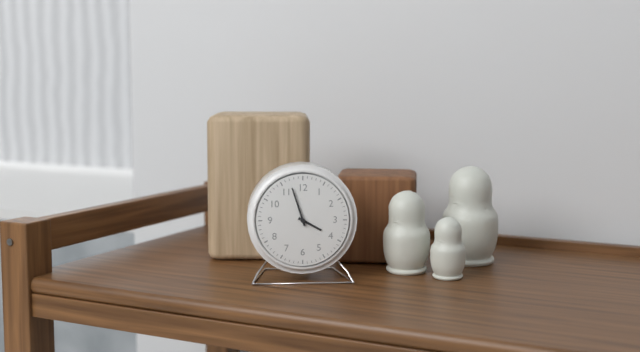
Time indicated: 3:57
